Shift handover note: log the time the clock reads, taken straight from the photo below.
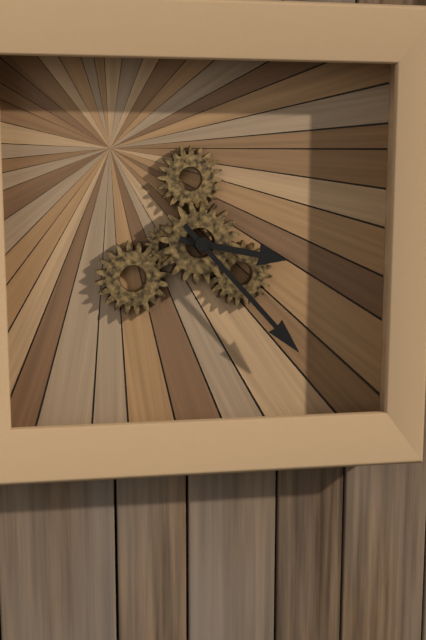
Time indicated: 3:23
